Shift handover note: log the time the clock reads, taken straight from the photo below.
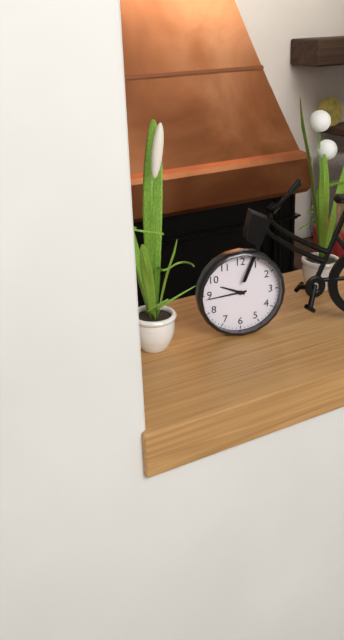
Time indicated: 9:44
